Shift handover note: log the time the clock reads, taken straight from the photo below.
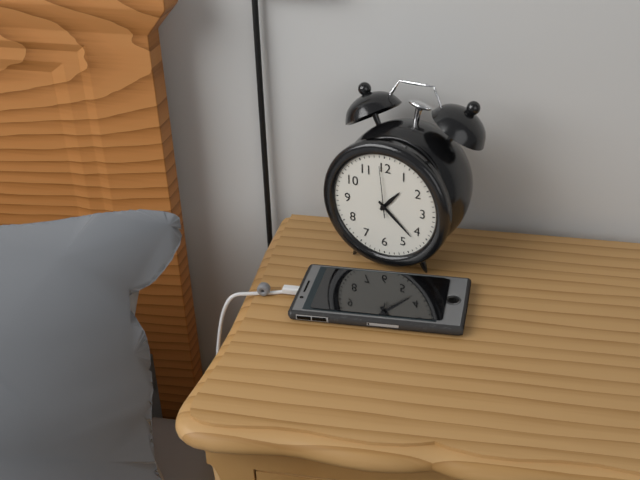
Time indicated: 1:22:59
